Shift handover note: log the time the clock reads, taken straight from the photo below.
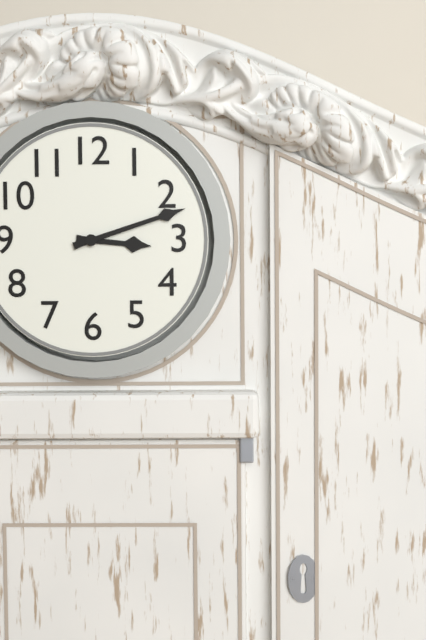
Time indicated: 3:12
